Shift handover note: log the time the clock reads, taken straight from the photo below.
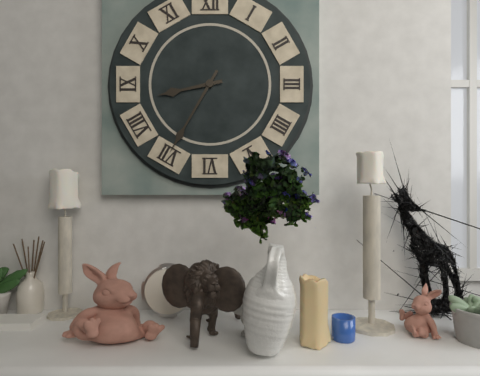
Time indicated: 8:35
